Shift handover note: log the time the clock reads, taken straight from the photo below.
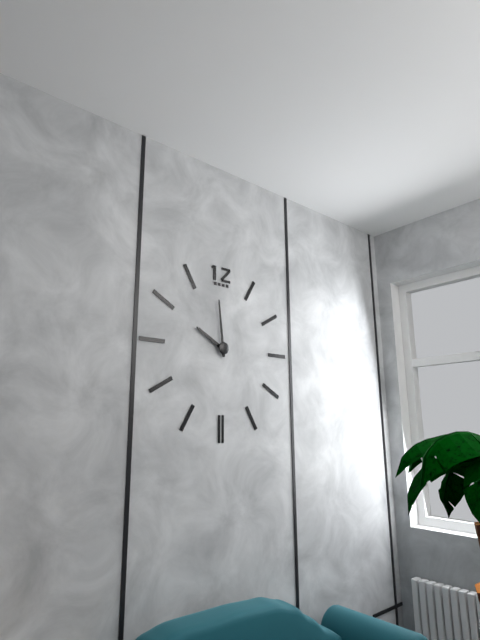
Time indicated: 9:59
